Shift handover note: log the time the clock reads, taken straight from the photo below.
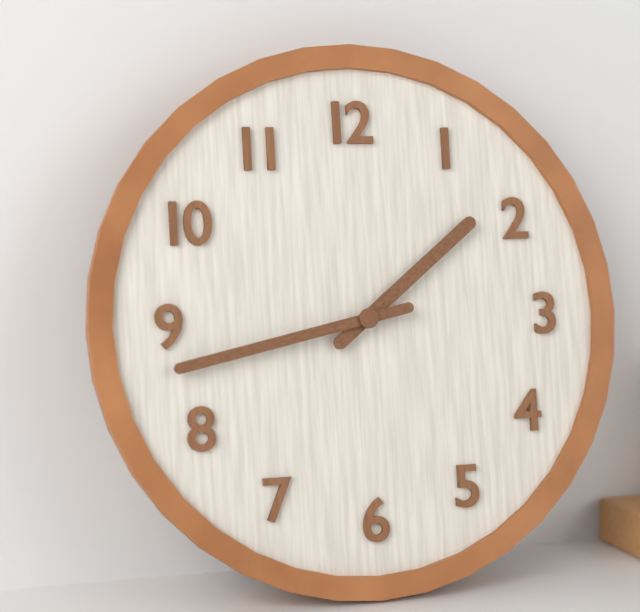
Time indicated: 1:43
